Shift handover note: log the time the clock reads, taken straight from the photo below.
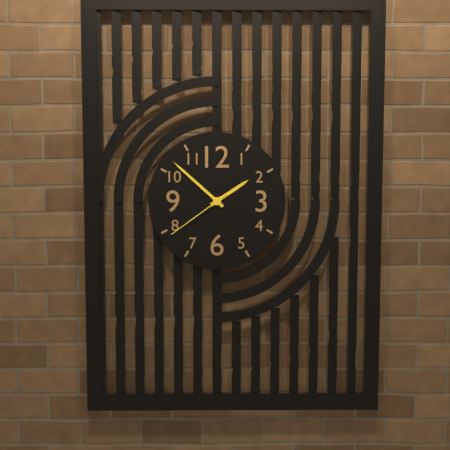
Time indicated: 1:52:39
